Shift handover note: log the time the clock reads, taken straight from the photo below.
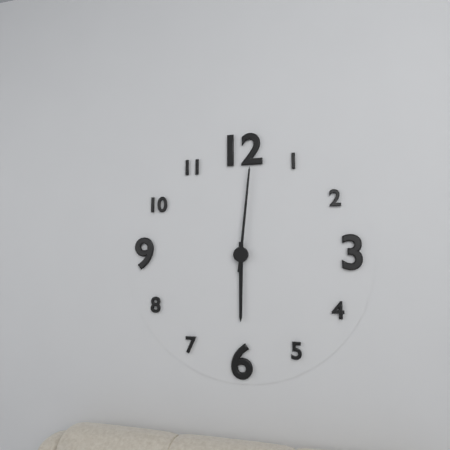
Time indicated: 6:01
